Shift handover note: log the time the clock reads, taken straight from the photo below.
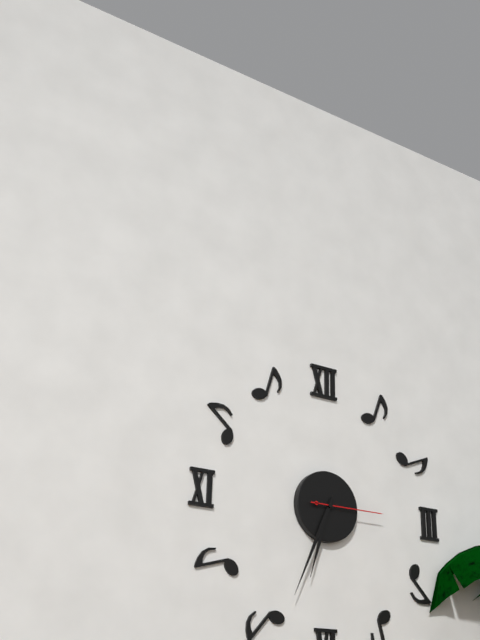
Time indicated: 6:34:15
